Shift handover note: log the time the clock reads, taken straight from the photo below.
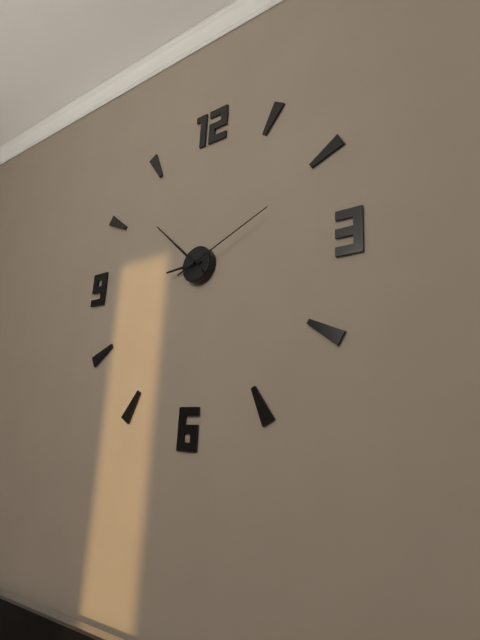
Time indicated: 8:52:11
